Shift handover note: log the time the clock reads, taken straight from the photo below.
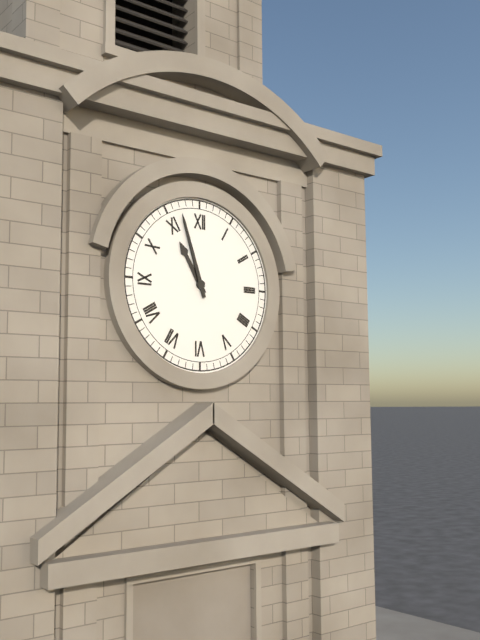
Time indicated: 10:57
